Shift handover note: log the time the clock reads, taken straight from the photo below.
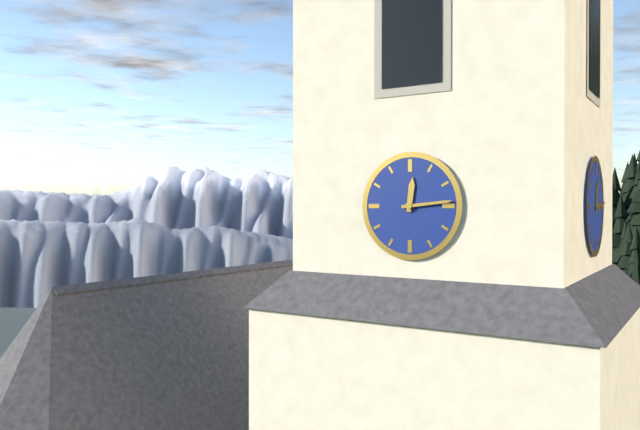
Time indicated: 12:14
